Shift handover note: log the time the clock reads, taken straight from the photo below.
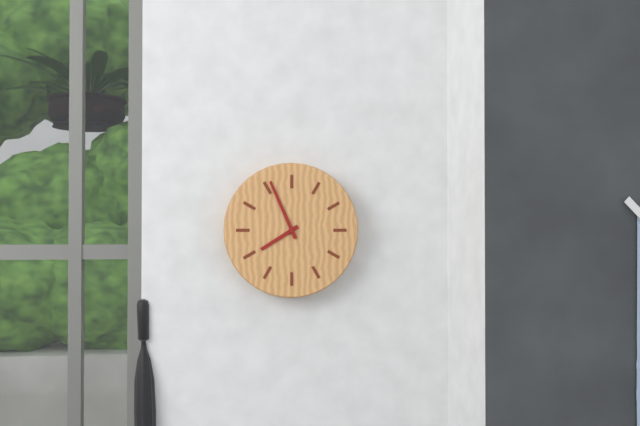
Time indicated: 7:56
